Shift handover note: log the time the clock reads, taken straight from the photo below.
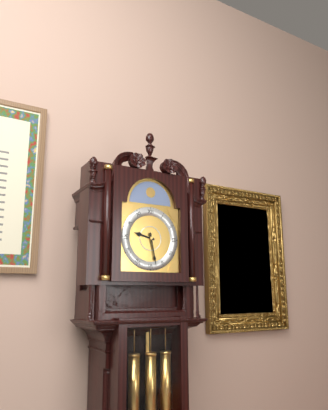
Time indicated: 9:28
